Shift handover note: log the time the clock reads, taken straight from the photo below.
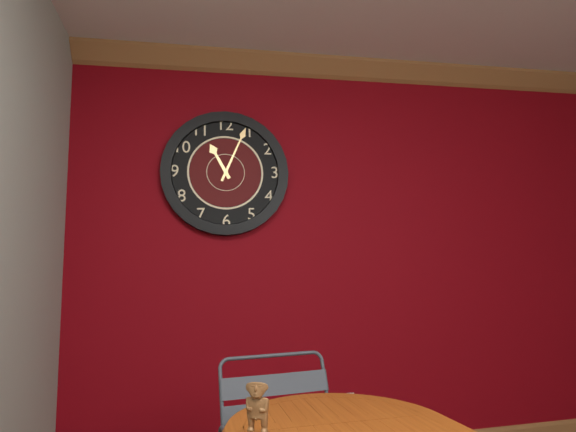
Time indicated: 11:04
